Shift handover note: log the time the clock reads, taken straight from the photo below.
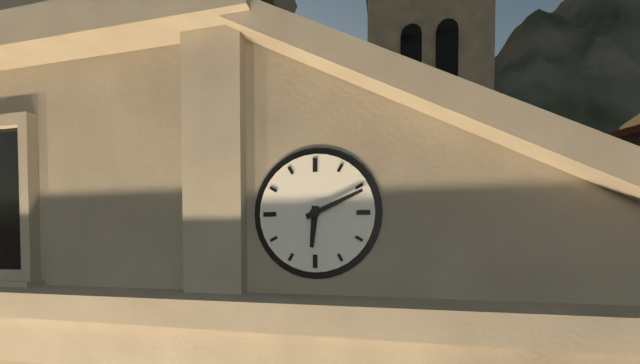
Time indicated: 6:11
